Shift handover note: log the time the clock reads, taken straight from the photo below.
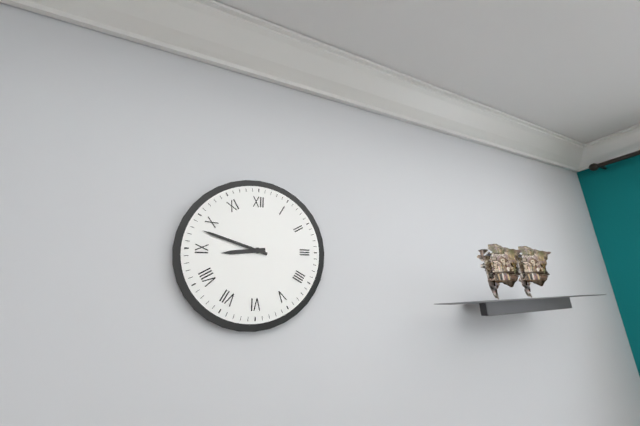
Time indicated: 8:48
